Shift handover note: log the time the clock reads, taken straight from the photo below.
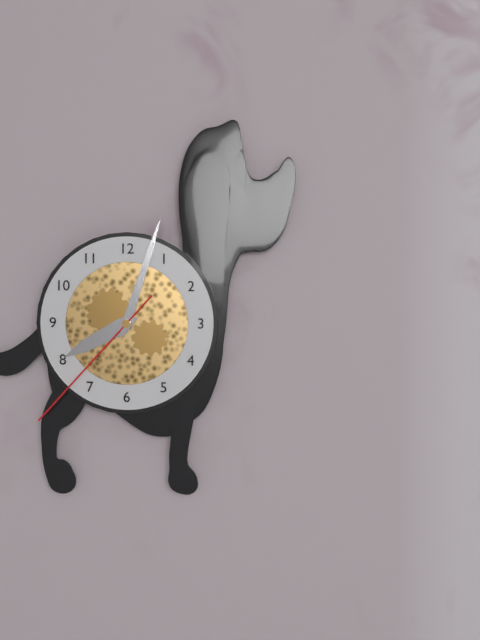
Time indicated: 8:03:37
